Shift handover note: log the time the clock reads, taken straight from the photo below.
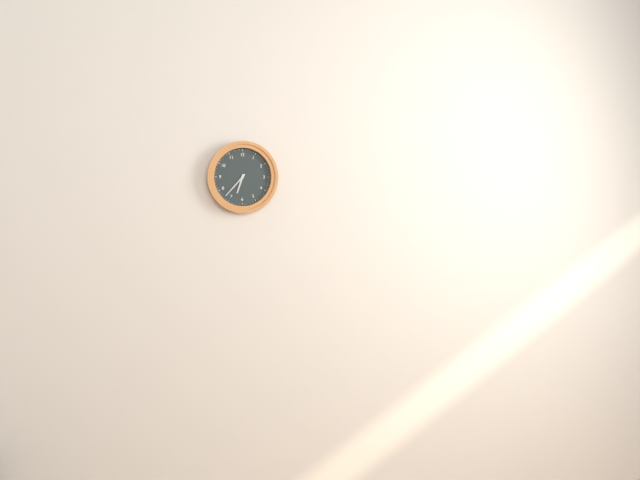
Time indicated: 6:37
